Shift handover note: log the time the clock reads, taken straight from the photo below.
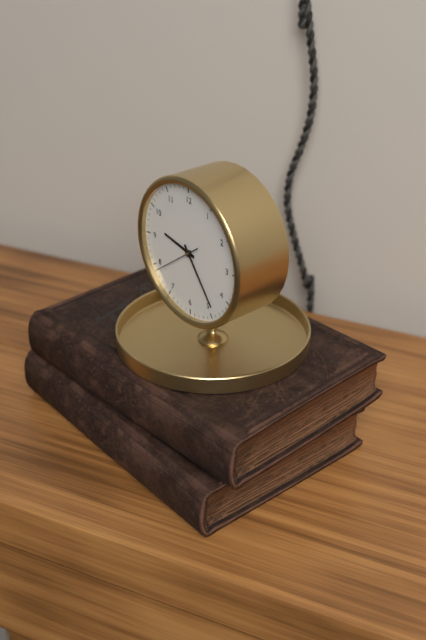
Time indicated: 9:24
